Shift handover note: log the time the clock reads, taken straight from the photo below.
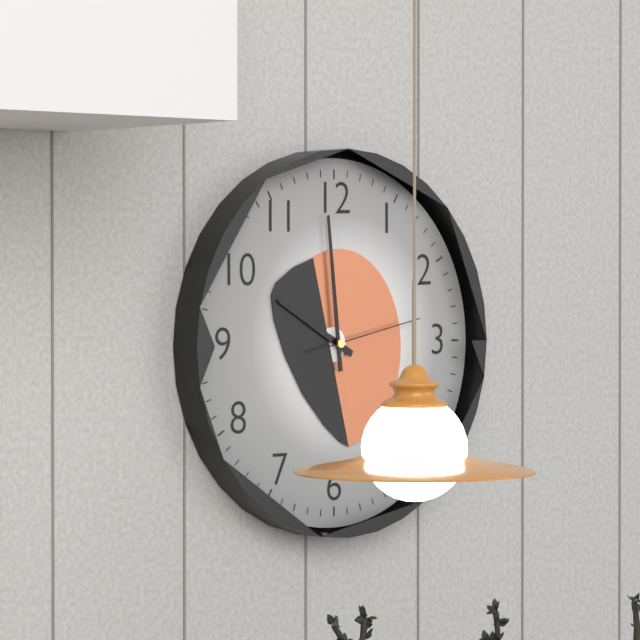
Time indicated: 9:59:13
